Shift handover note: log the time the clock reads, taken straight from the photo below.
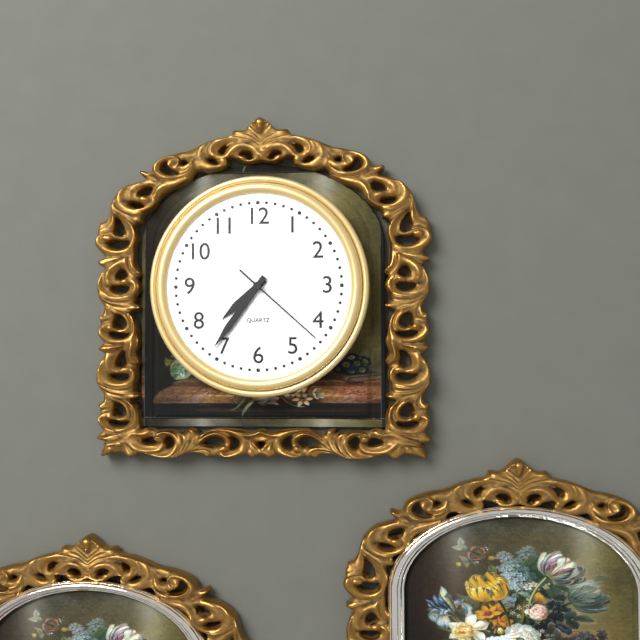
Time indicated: 7:36:22
